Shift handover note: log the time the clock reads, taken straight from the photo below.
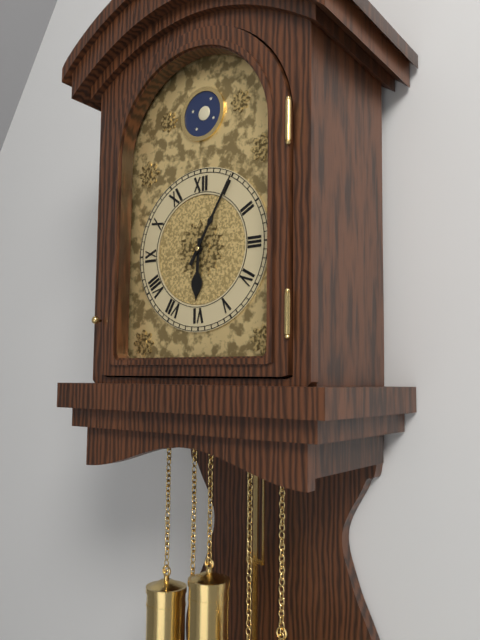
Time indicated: 6:05
